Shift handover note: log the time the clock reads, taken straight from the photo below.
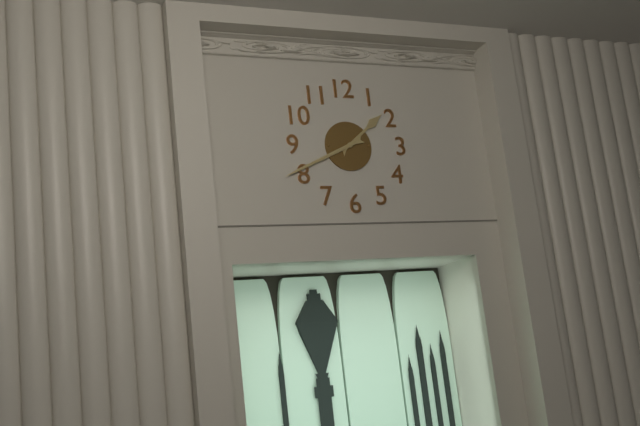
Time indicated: 1:41
